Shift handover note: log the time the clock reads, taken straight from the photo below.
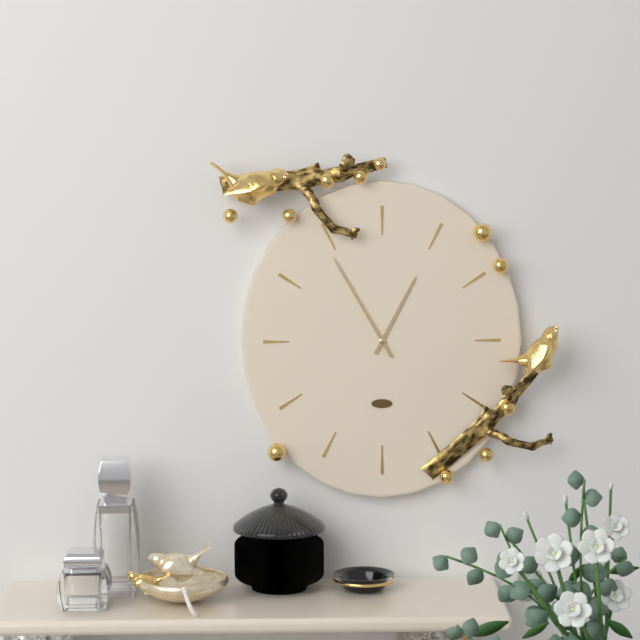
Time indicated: 12:55
